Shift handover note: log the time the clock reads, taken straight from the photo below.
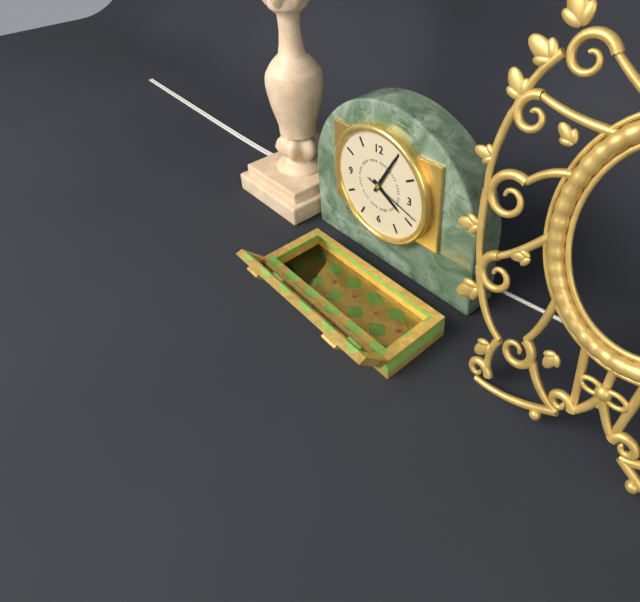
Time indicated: 4:05:18
